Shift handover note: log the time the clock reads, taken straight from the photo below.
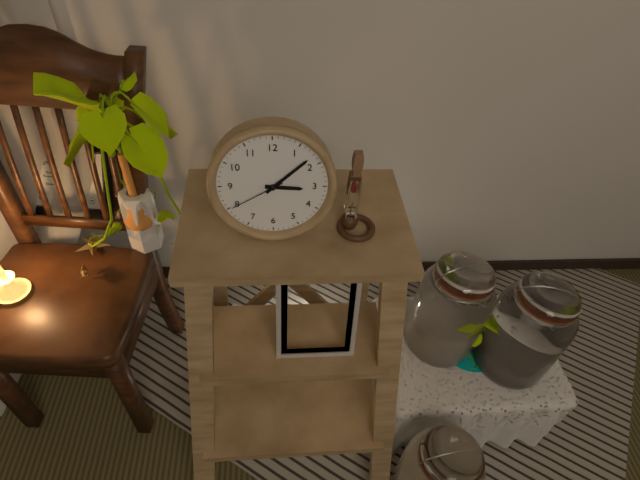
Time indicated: 3:08:40
